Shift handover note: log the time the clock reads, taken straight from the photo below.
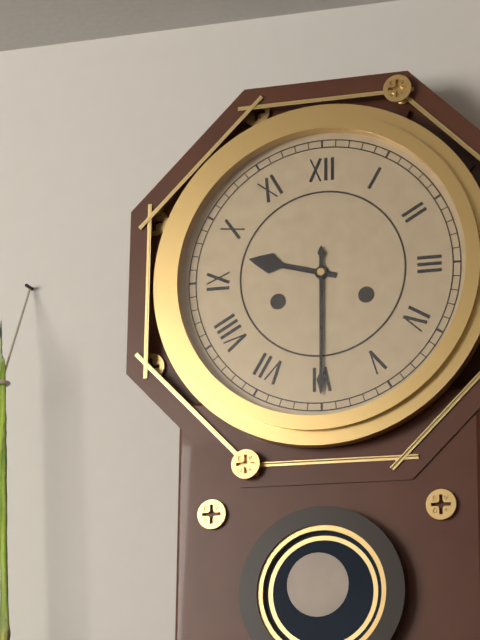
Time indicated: 9:30
